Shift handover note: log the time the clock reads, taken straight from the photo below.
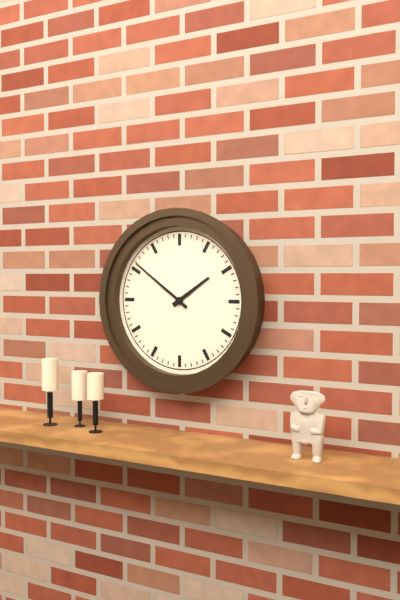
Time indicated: 1:51
